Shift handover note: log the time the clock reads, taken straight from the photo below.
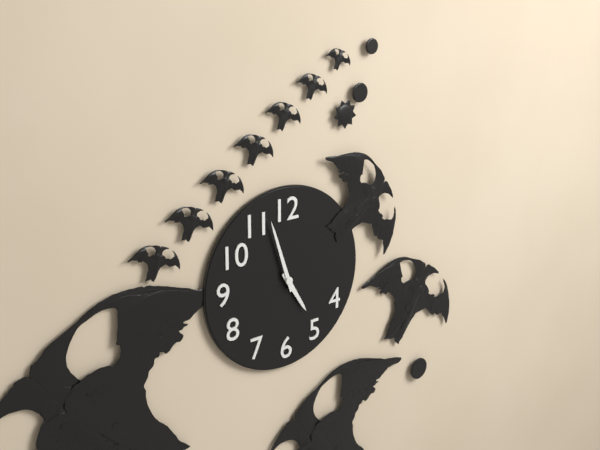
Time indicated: 4:57
